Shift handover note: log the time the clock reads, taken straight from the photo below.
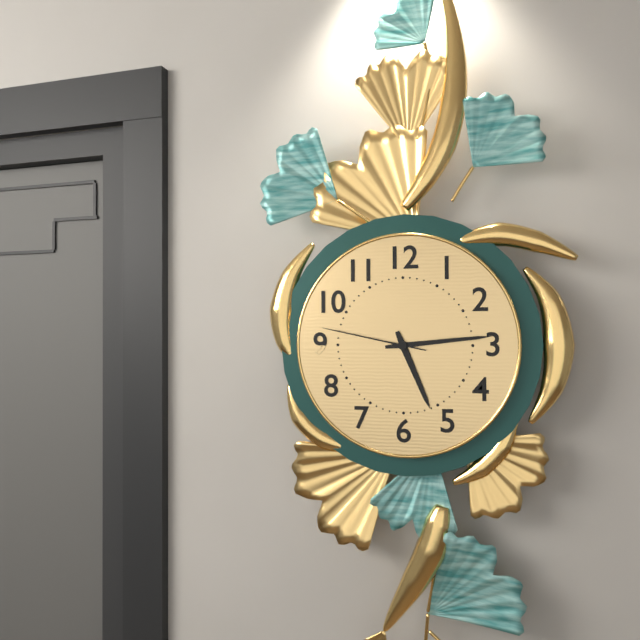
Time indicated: 5:14:47
